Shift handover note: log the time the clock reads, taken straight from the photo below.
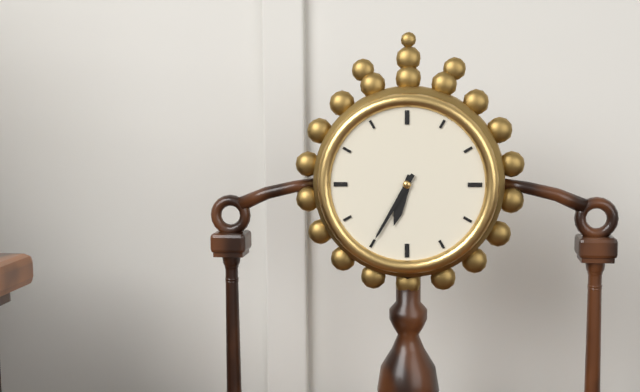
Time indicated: 6:35
